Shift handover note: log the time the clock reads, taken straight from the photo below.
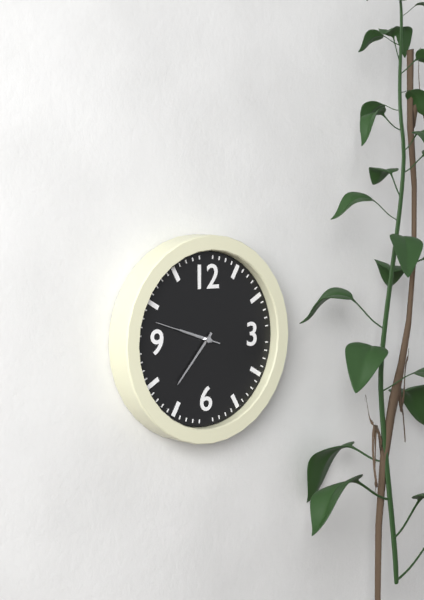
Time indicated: 9:37:48
